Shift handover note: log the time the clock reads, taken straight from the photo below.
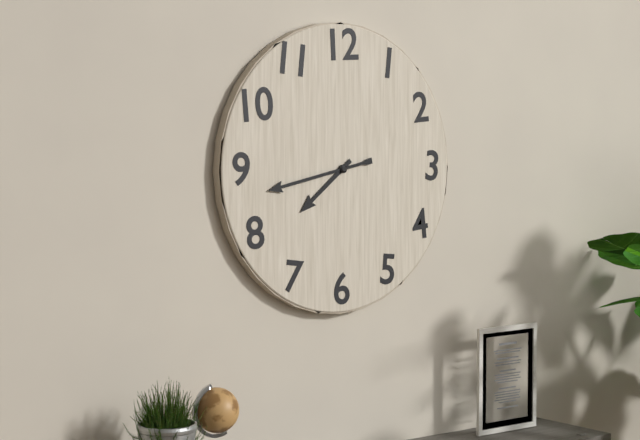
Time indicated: 7:43
